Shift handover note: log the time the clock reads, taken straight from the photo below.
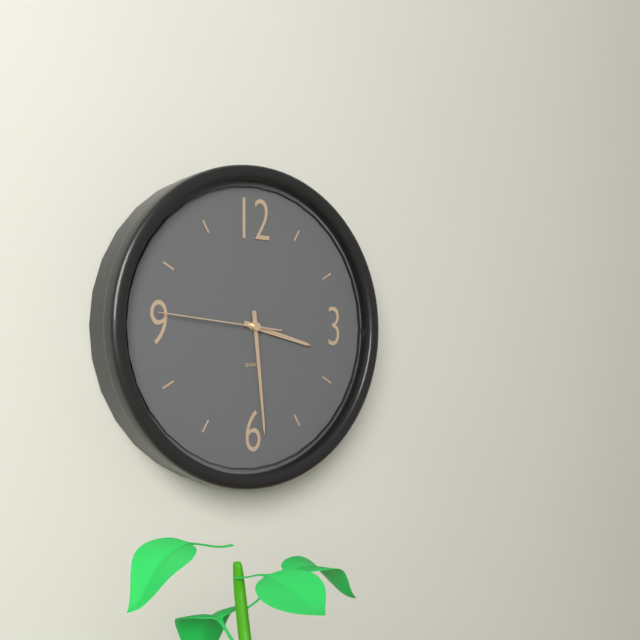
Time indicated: 3:29:46
